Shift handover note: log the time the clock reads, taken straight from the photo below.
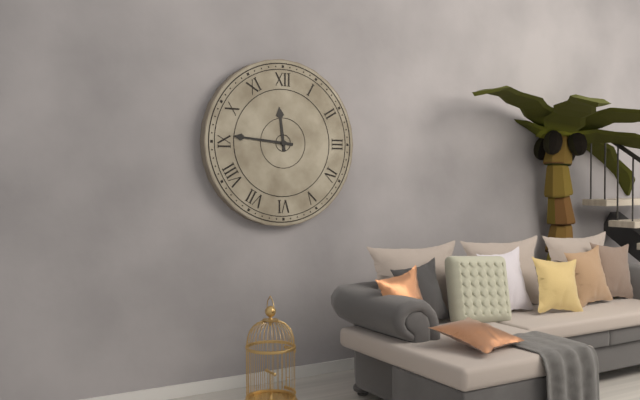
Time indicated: 11:46
